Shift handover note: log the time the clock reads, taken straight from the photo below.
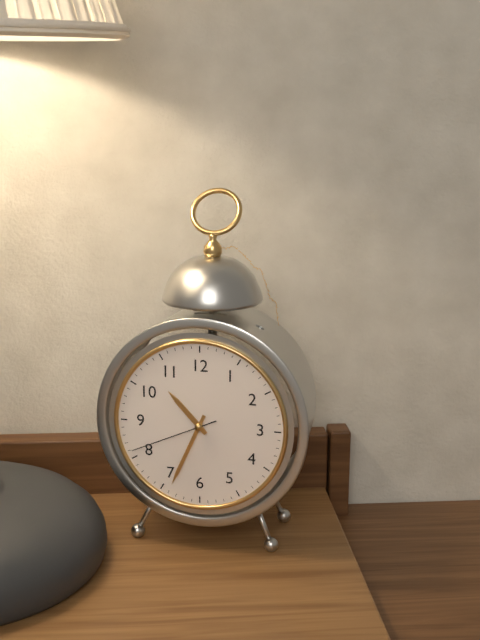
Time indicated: 10:34:41
